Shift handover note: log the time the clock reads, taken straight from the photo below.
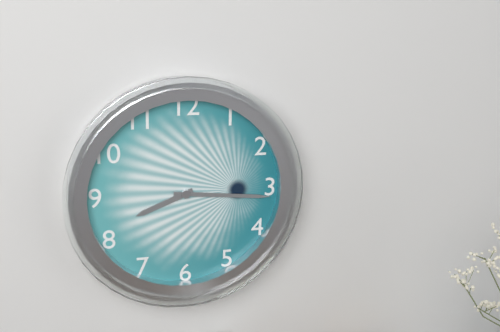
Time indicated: 8:16
